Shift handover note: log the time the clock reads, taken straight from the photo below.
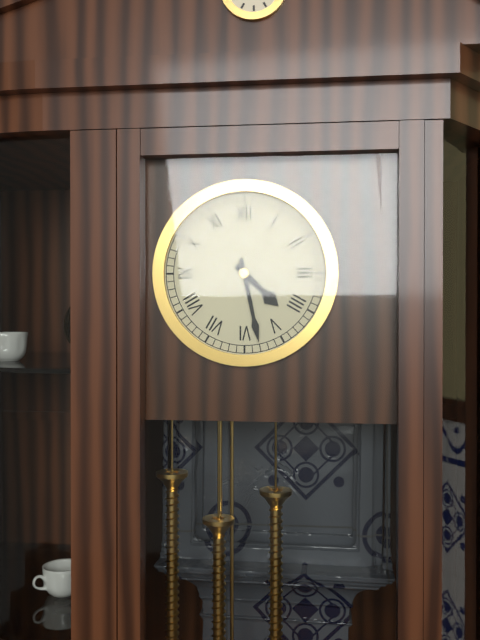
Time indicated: 4:28
